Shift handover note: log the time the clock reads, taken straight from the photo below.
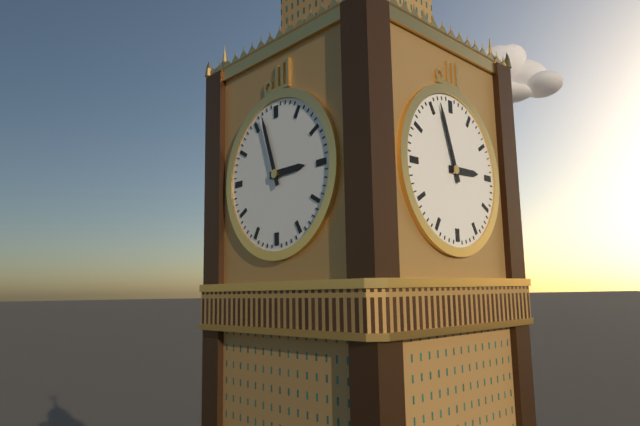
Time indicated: 2:57
